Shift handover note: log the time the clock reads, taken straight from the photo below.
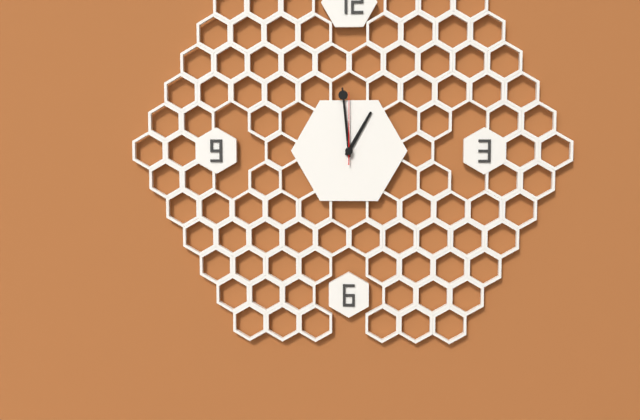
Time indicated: 12:59:00
